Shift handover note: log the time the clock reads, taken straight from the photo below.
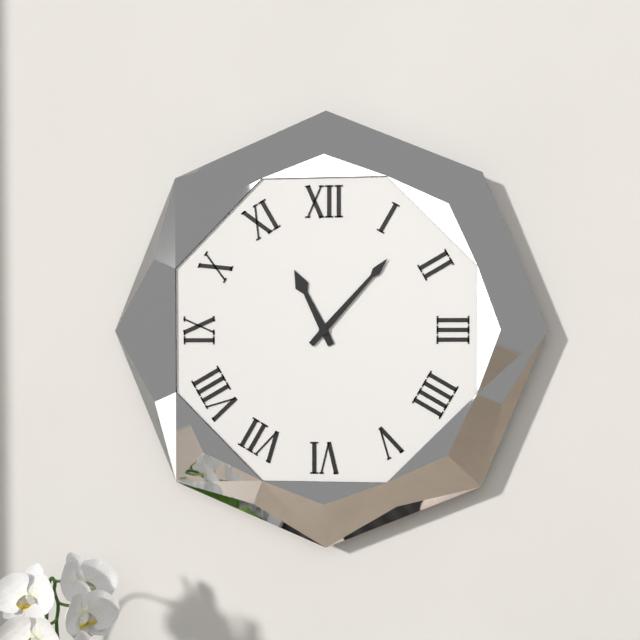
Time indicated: 11:07
